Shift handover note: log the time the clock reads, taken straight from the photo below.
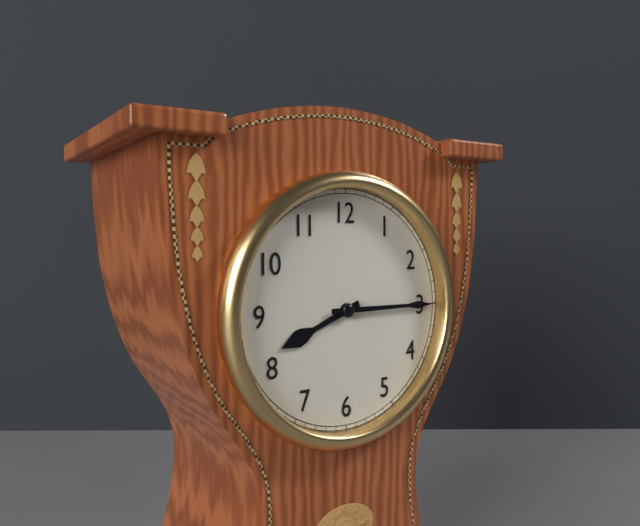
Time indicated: 8:15
